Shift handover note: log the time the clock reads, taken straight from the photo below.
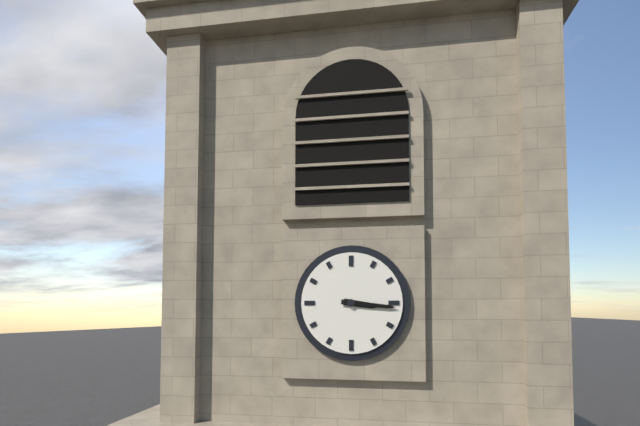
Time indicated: 3:16
